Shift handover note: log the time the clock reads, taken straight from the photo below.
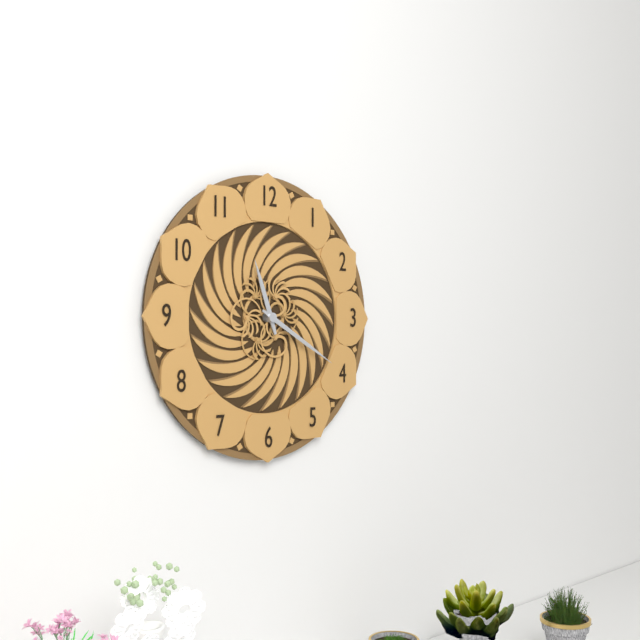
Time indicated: 11:20
